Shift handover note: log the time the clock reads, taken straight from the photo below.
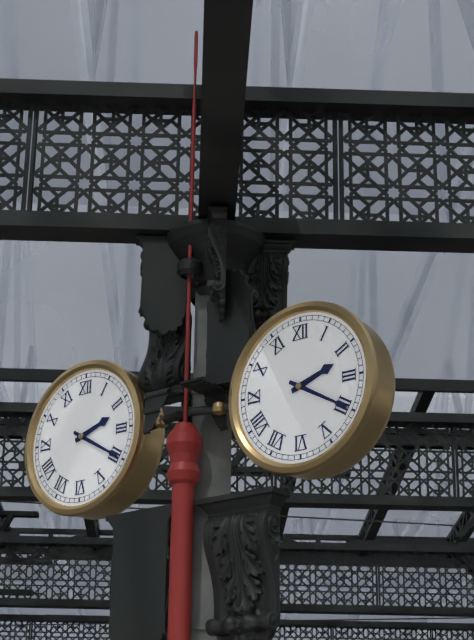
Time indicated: 2:20
